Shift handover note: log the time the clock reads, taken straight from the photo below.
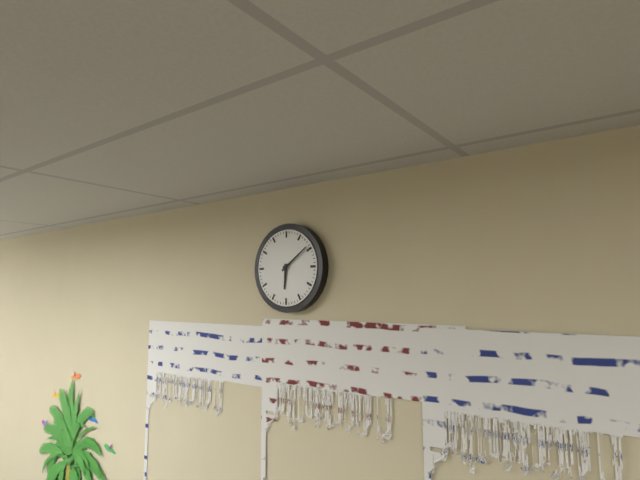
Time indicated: 6:09
